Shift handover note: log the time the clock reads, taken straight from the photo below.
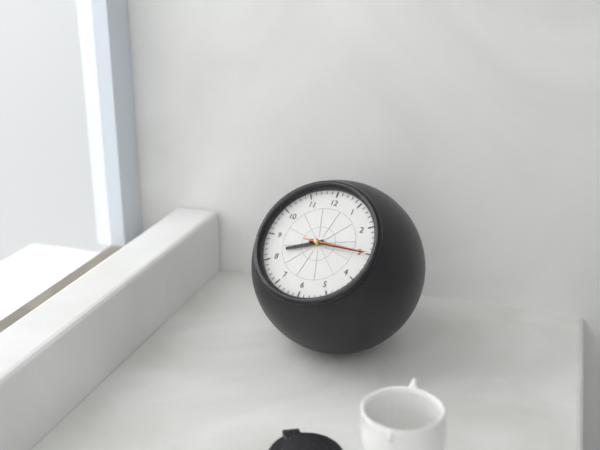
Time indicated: 8:15:15
